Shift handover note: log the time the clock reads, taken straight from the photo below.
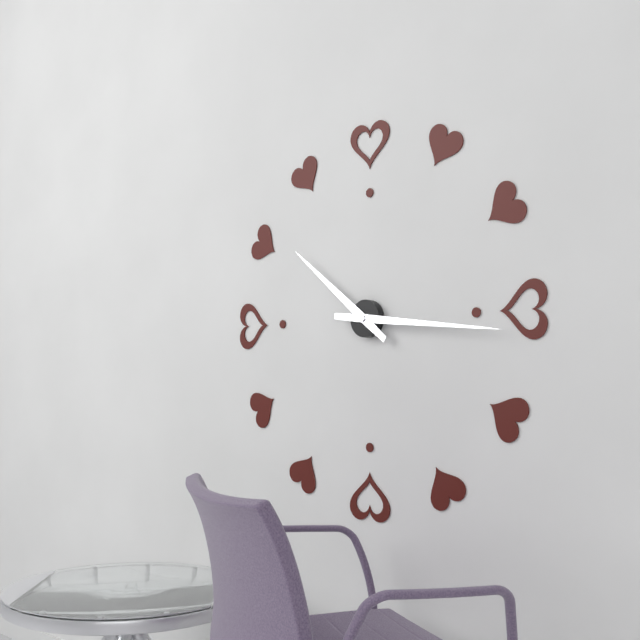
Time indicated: 10:16
